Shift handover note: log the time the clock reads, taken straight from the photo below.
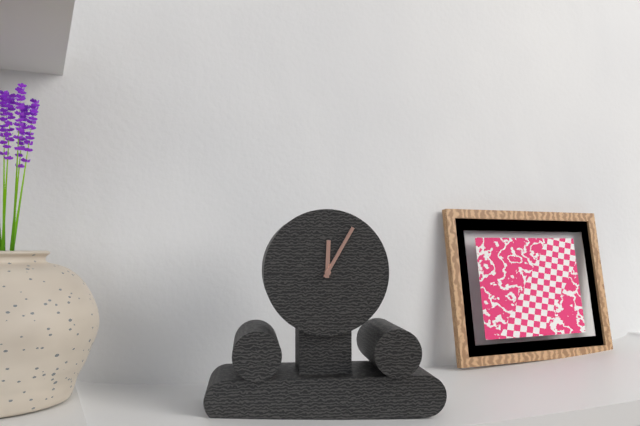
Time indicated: 12:05
